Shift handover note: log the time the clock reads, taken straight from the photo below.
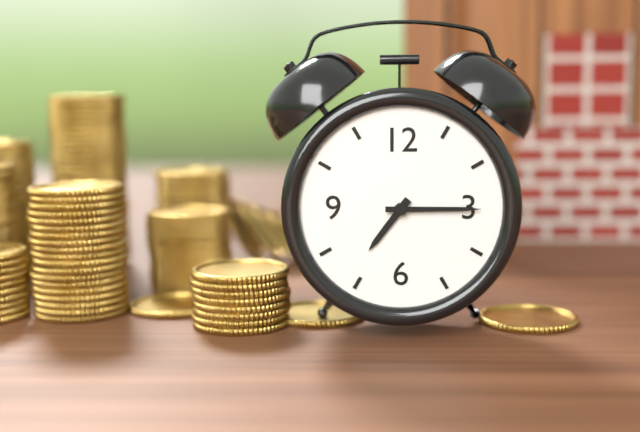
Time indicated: 7:15
